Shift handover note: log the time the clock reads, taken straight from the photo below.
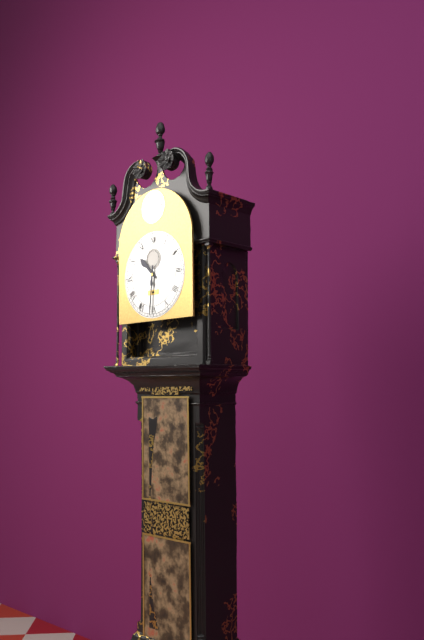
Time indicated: 10:31
